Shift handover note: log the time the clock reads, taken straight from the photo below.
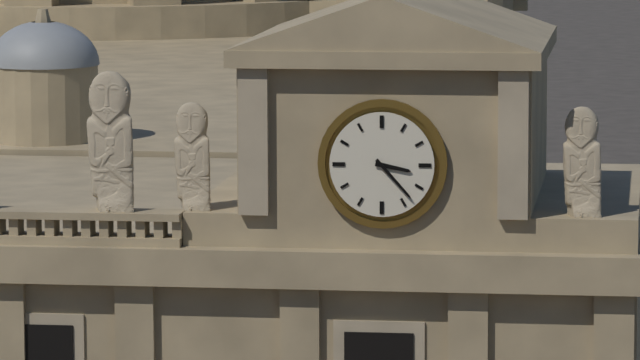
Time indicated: 3:23
